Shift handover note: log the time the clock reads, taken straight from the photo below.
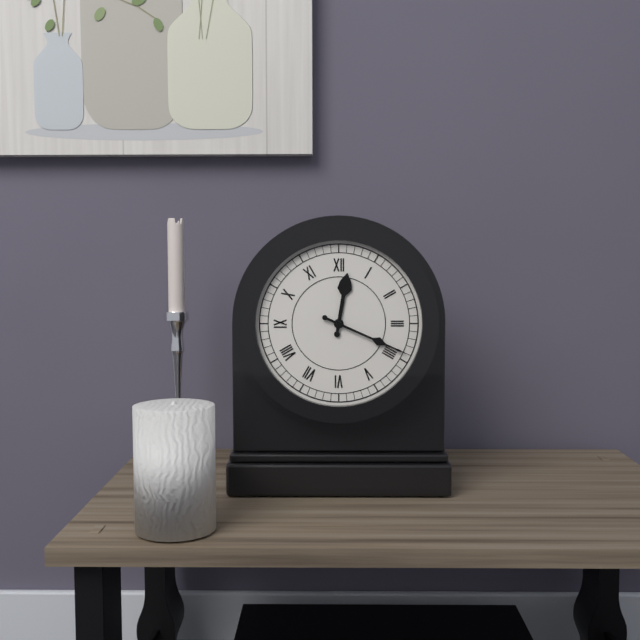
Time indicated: 12:19
